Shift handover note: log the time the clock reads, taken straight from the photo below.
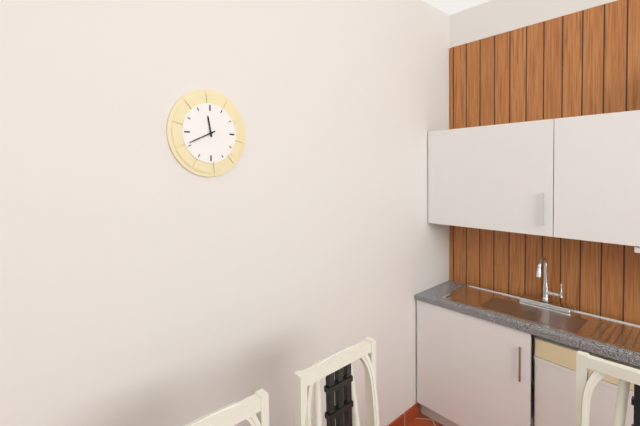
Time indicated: 11:41
